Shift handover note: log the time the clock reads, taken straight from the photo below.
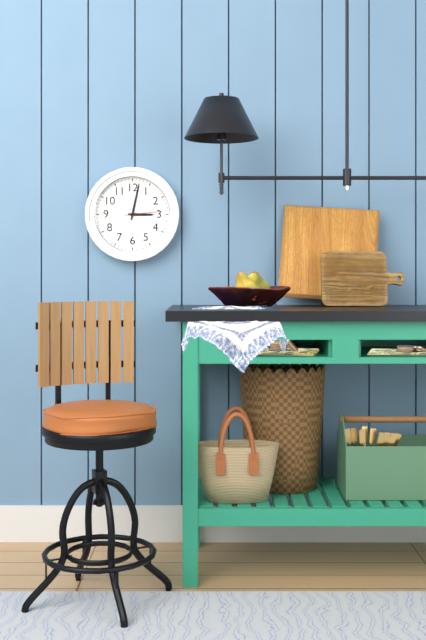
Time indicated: 3:02
